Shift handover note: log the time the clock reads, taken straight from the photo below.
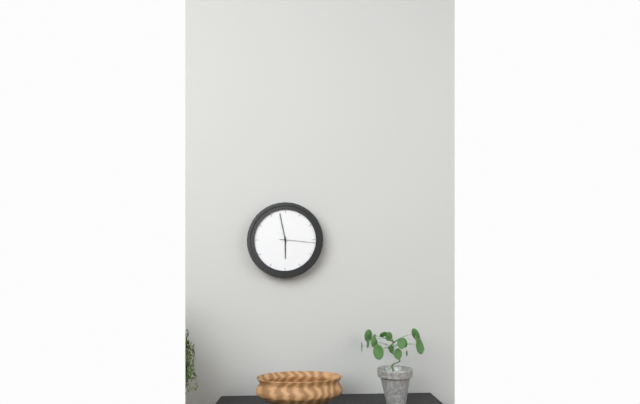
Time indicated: 5:58
